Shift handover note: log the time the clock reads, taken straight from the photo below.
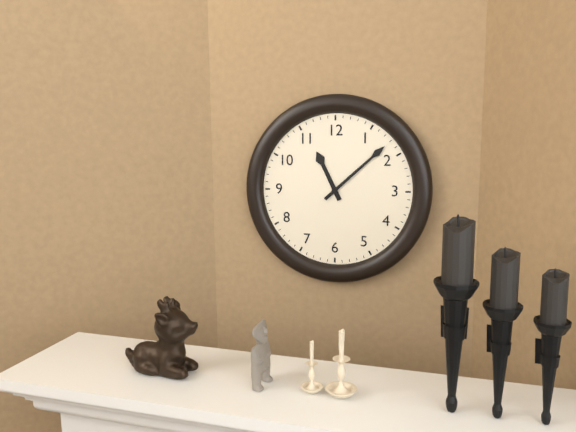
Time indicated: 11:08
